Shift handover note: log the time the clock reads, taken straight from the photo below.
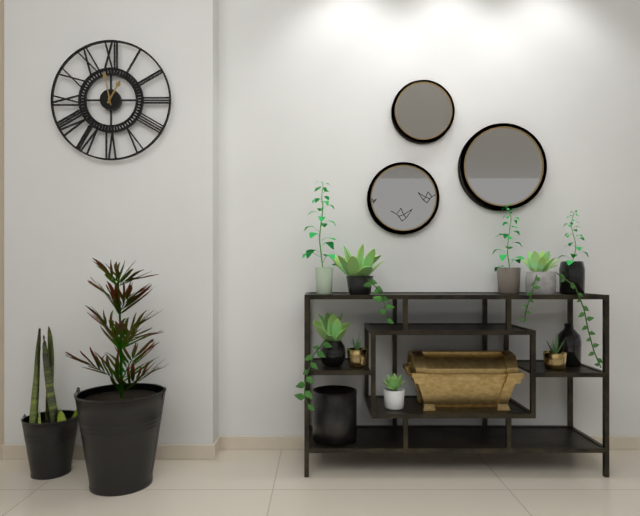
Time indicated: 12:58
